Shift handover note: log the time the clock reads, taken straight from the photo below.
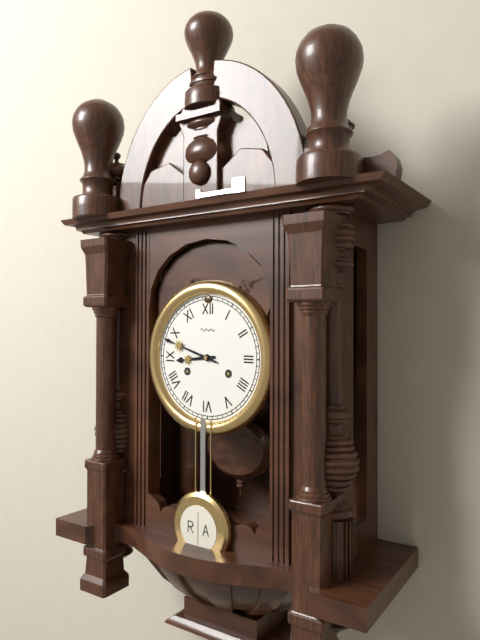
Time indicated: 8:48
